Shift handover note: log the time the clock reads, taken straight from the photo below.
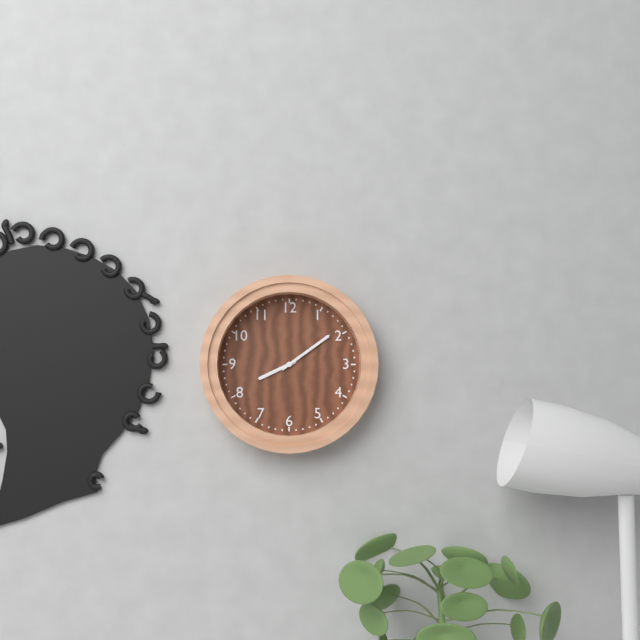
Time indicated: 8:09
